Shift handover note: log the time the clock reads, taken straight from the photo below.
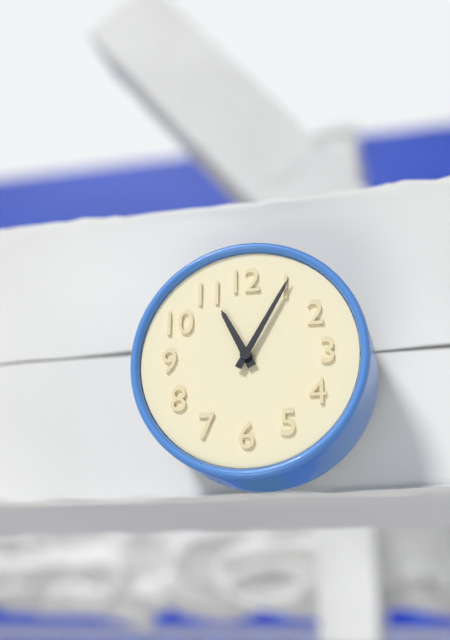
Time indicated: 11:05
